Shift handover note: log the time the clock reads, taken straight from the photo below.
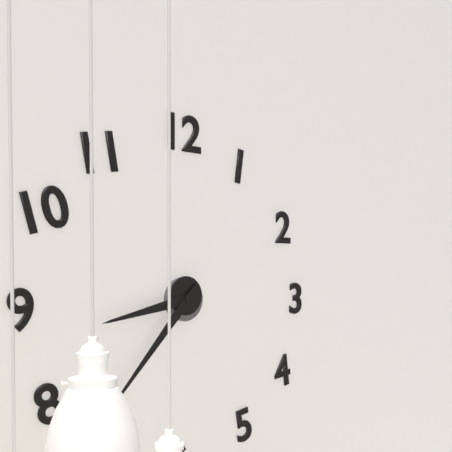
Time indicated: 8:37
